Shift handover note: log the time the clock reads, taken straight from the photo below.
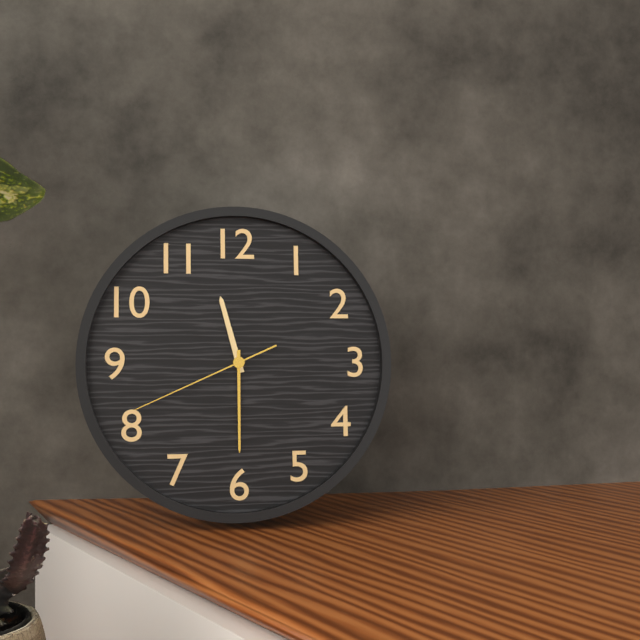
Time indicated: 11:30:41
